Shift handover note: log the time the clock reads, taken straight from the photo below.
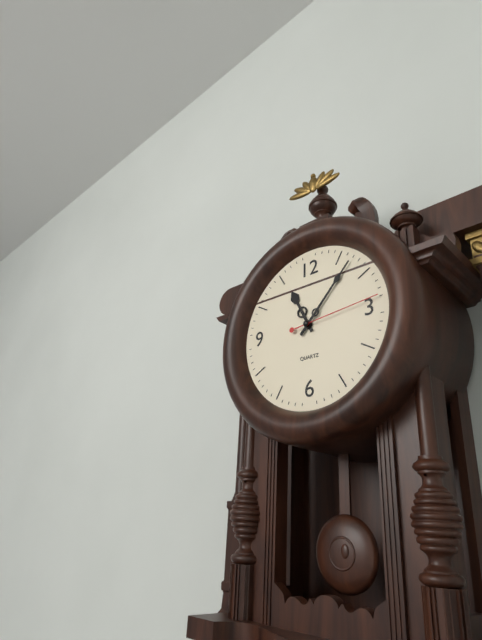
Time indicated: 11:07:14
